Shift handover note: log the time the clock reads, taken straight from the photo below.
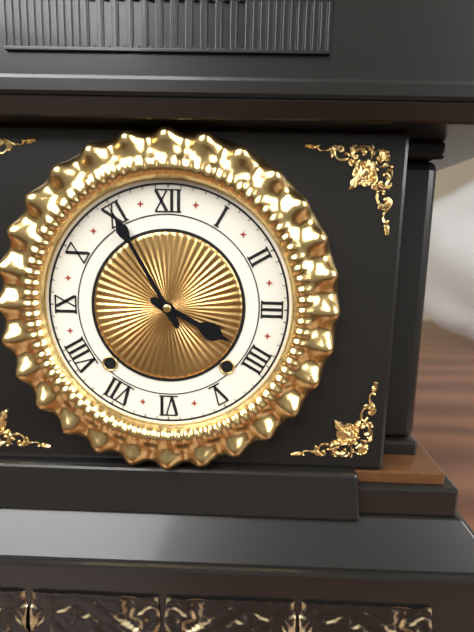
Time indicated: 3:55
